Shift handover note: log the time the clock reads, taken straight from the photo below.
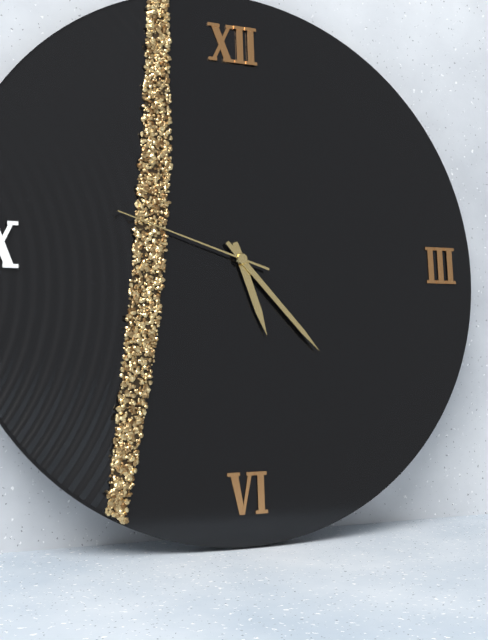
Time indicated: 5:23:48
